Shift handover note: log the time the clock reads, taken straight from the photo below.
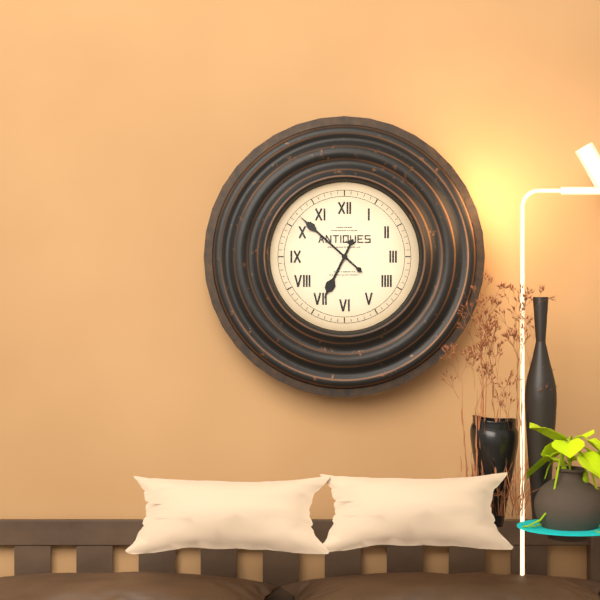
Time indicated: 6:52
